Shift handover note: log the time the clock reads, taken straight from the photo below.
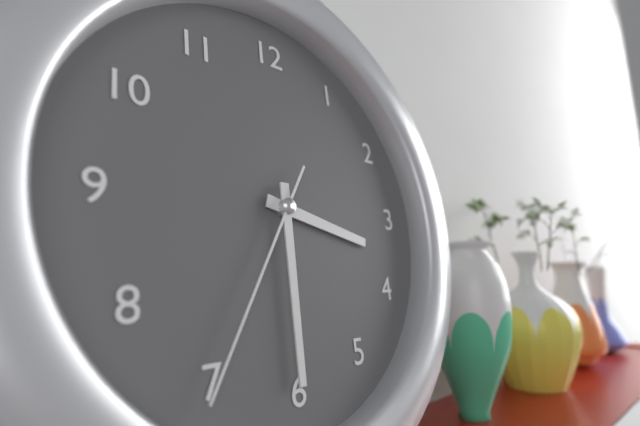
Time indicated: 3:30:35
